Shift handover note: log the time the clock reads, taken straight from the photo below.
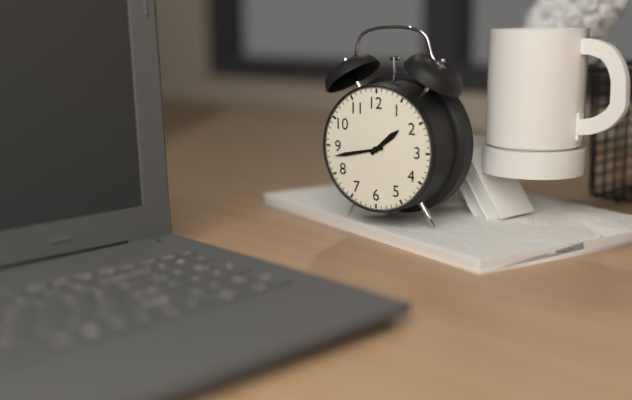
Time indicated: 1:43
